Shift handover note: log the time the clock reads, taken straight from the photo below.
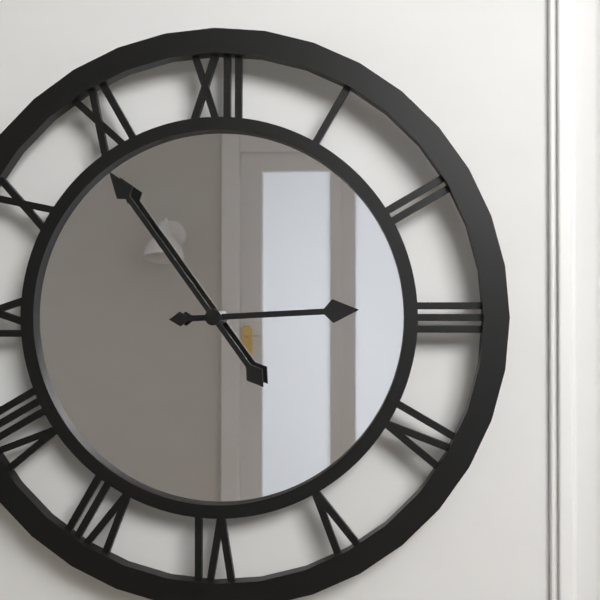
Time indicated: 2:54
